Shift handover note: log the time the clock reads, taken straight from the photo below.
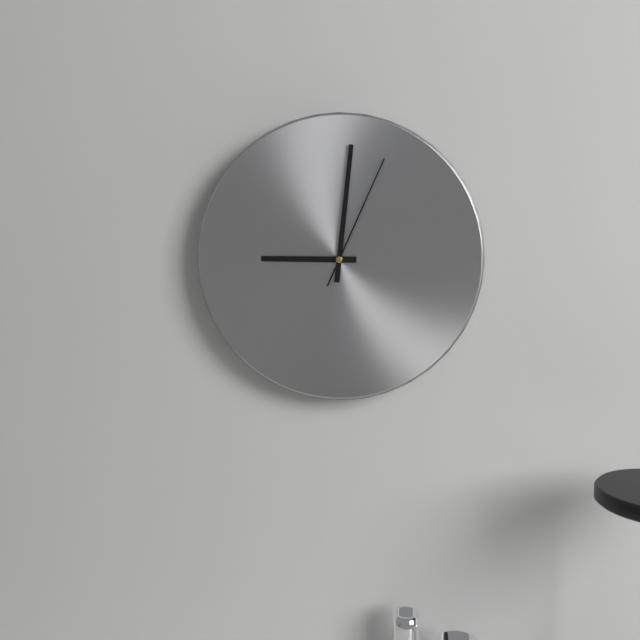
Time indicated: 9:01:04
